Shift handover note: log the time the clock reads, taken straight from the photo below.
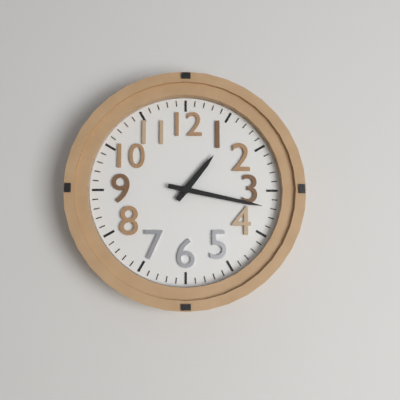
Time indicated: 1:17
